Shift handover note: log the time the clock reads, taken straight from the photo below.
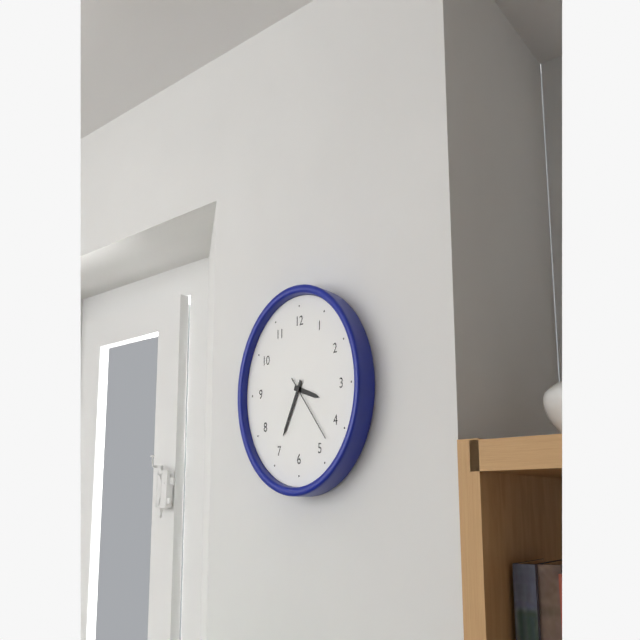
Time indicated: 3:35:23
